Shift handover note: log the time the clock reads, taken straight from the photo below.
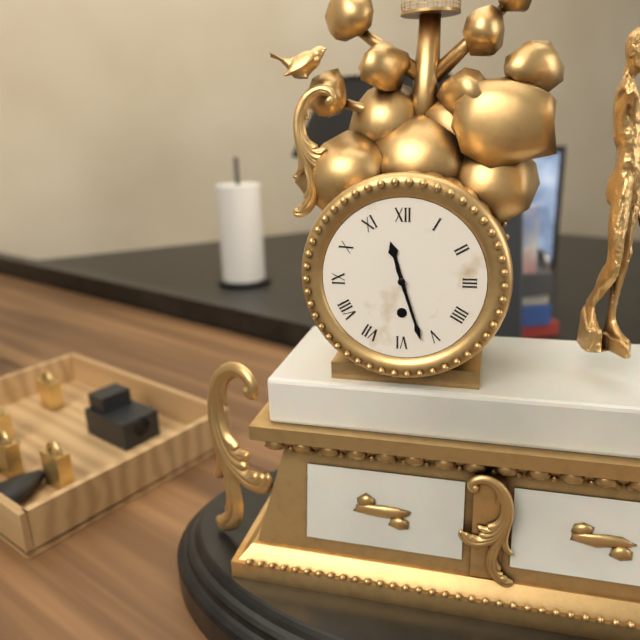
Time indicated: 11:27
